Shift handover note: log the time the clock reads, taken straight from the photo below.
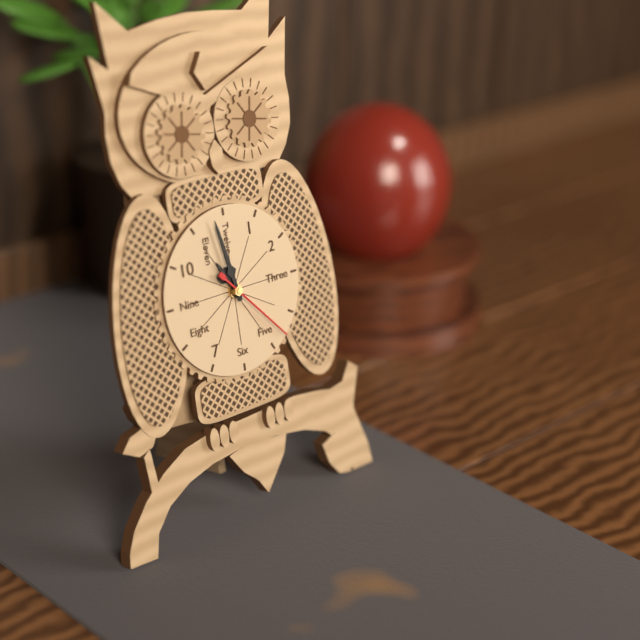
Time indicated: 10:58:23
